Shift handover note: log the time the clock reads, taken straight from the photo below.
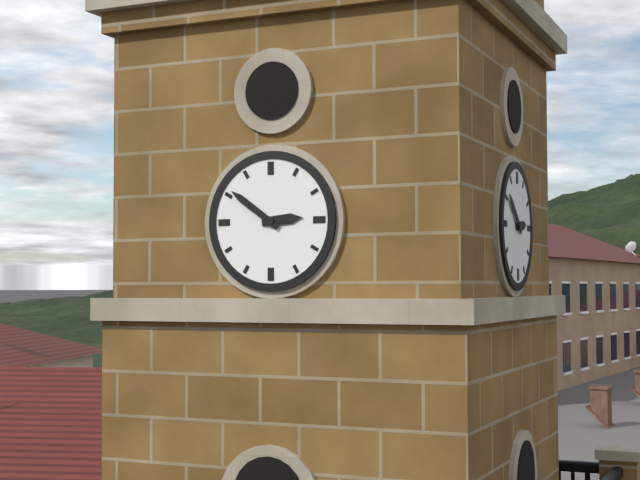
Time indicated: 2:51
